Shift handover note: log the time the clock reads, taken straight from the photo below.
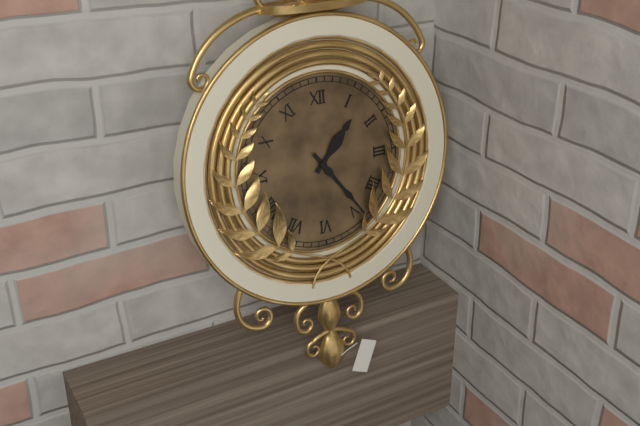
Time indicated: 1:24
